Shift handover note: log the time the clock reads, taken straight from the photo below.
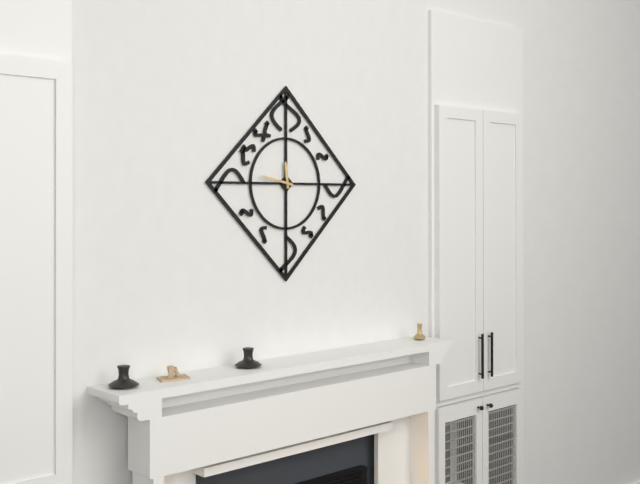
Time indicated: 11:47
